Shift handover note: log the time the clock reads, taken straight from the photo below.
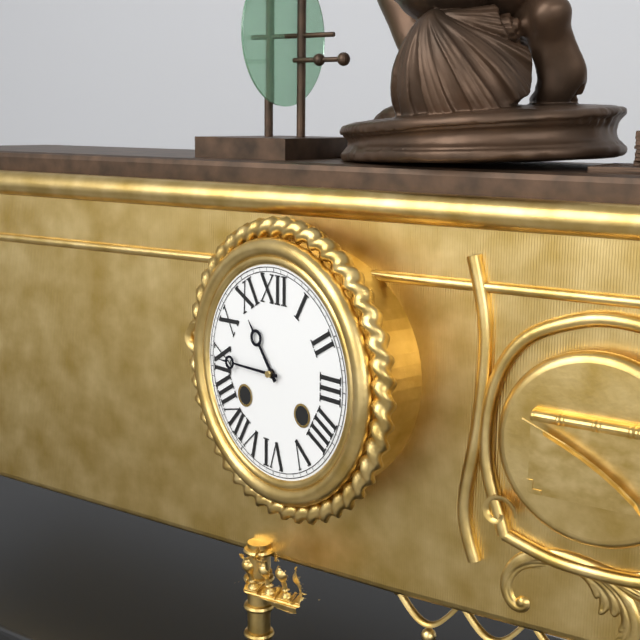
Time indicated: 10:45
